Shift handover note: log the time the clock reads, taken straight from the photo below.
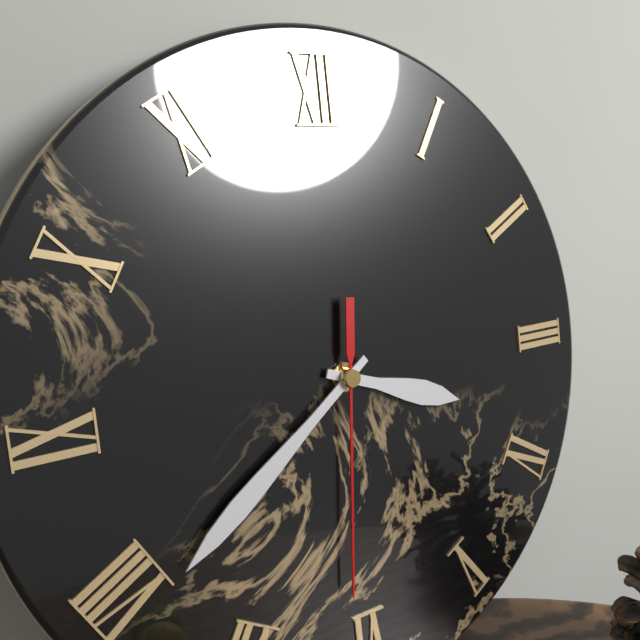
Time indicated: 3:39:31
